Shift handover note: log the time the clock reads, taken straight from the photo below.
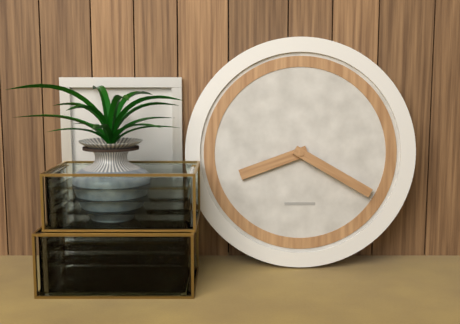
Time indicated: 8:20
